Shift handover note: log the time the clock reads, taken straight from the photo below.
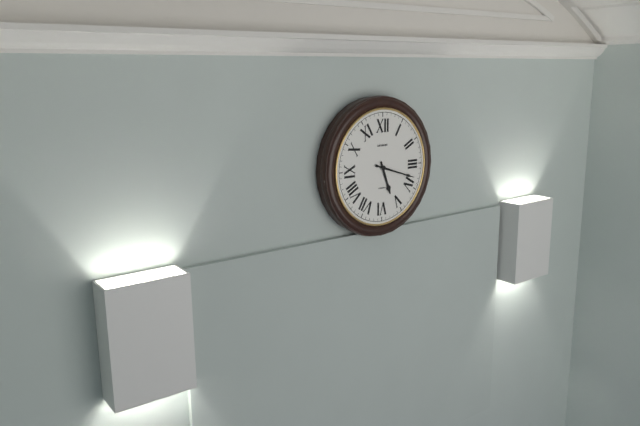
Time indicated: 5:18
